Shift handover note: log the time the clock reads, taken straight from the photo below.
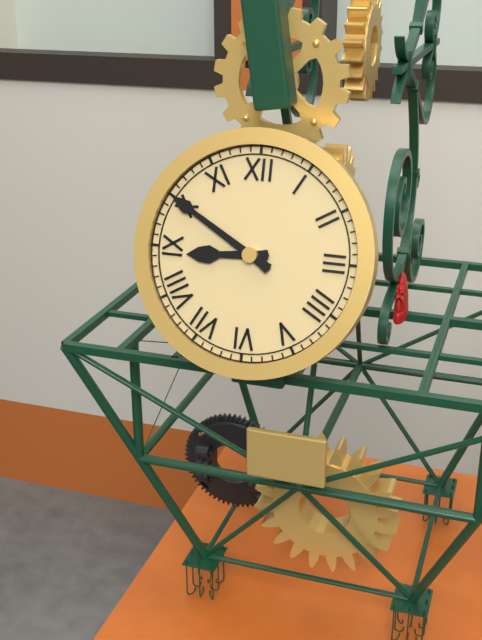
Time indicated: 8:50
